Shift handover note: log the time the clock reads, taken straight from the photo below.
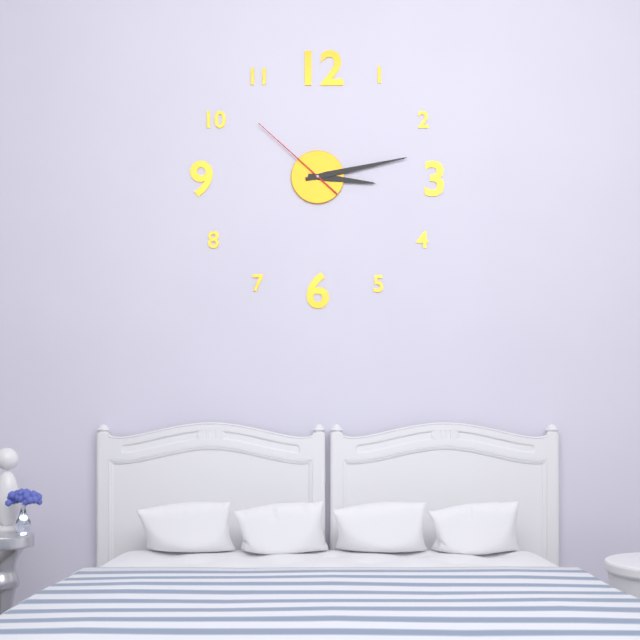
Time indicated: 3:13:52
